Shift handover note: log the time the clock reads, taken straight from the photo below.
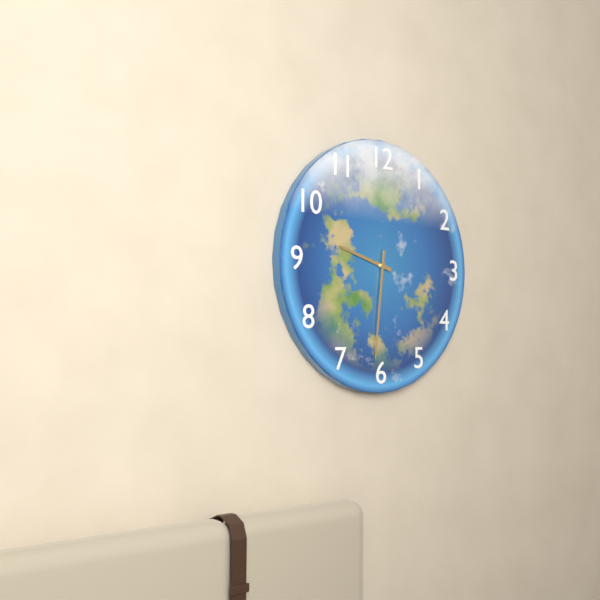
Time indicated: 9:31
